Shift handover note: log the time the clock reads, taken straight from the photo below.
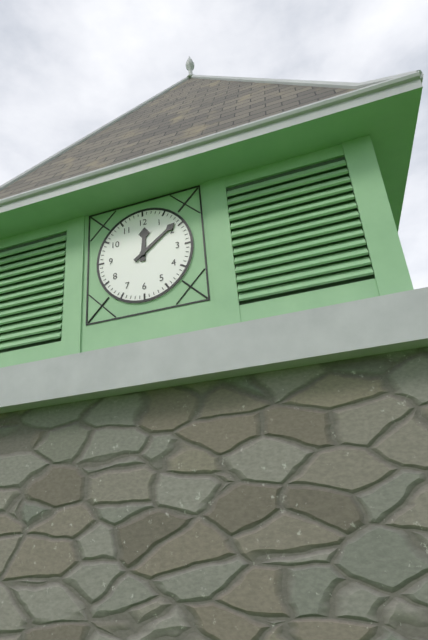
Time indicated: 12:09
